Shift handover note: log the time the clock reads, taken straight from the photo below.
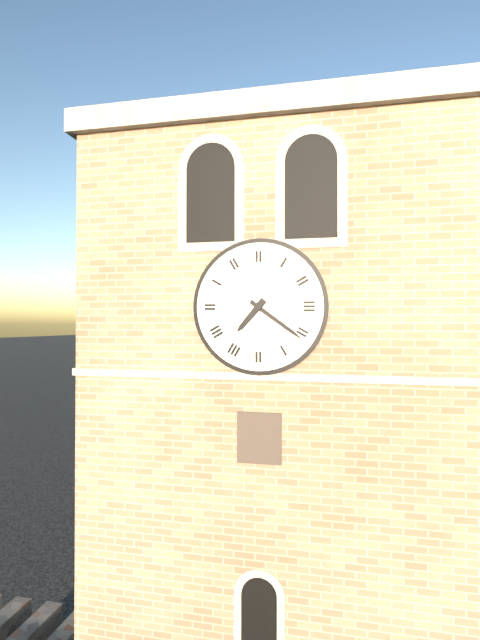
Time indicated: 7:21
